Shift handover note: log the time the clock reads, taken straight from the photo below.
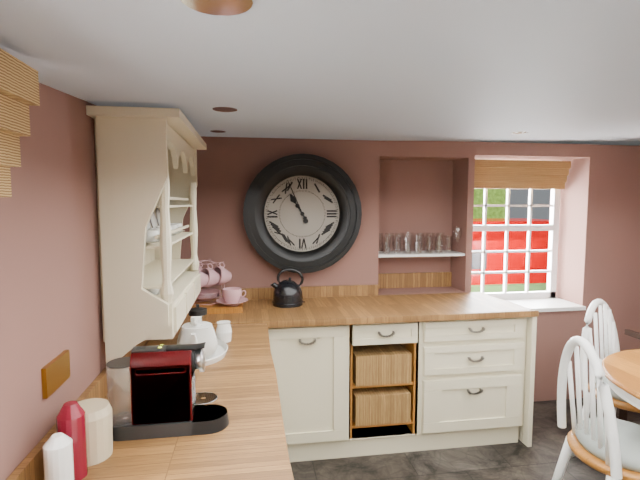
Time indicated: 10:56
